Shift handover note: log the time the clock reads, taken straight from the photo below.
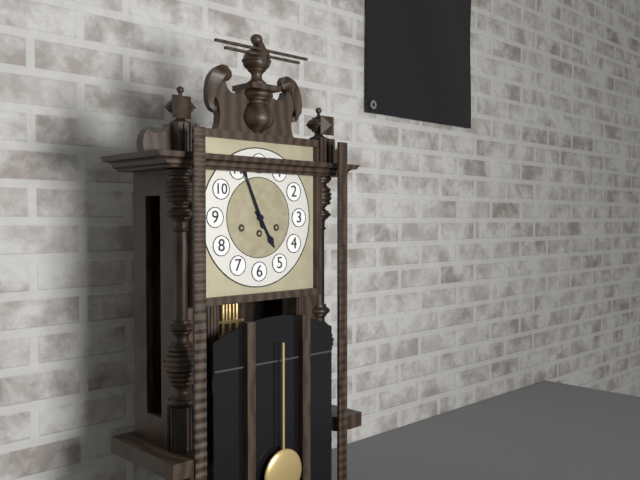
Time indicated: 4:56
